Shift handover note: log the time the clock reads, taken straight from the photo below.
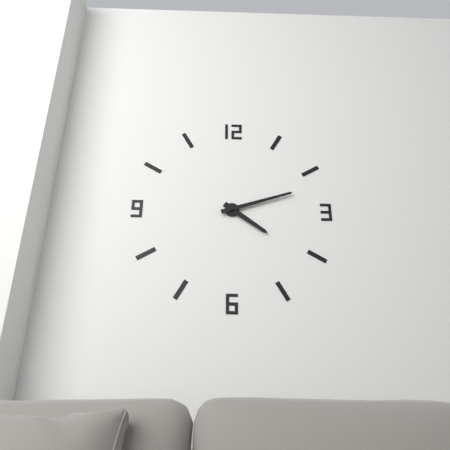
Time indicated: 4:12
